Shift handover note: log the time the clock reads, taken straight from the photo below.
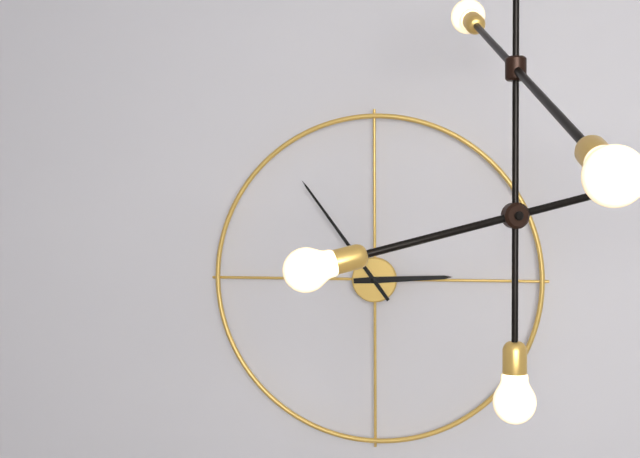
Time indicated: 2:54
